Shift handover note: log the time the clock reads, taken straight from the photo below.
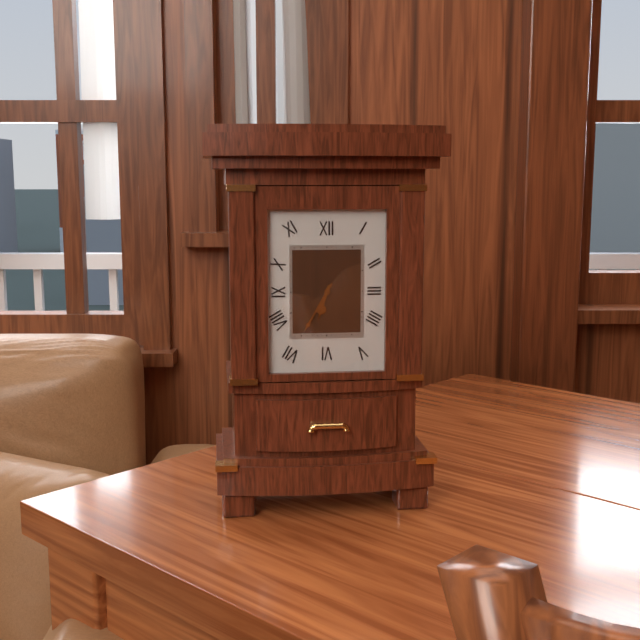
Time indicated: 6:35
